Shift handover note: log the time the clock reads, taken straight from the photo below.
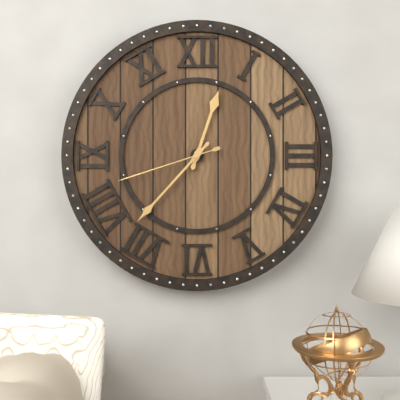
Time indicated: 12:37:42
